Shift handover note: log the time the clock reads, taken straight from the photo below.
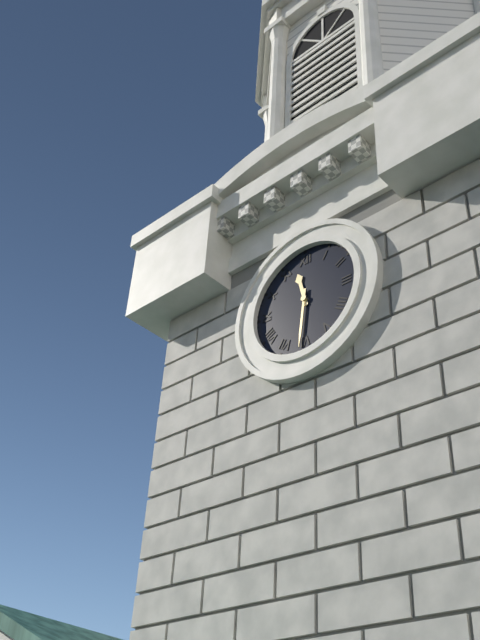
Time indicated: 11:31
